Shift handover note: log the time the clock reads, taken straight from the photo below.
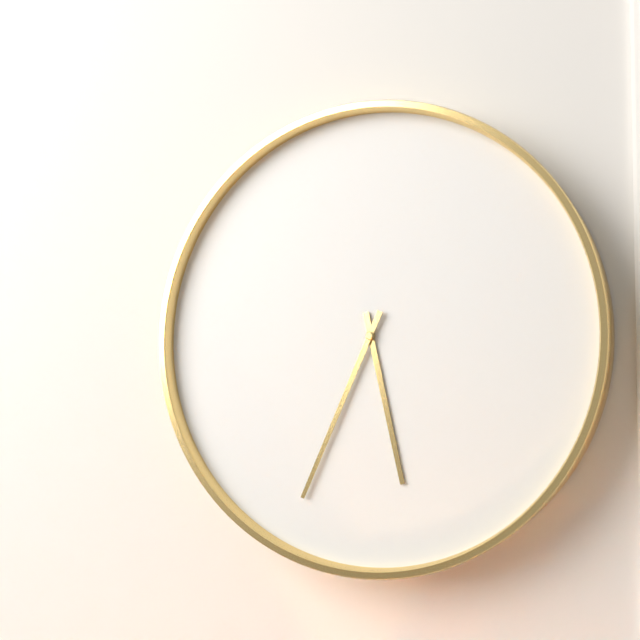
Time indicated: 5:34
